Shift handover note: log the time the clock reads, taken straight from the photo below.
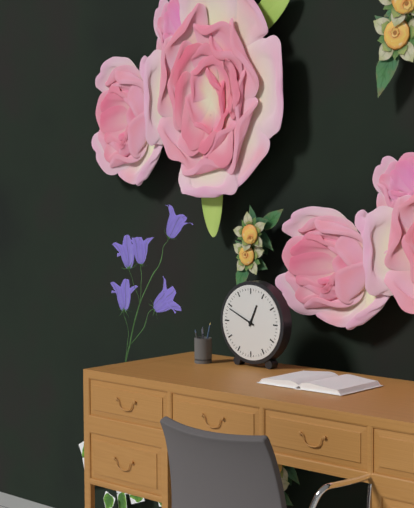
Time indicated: 12:49
